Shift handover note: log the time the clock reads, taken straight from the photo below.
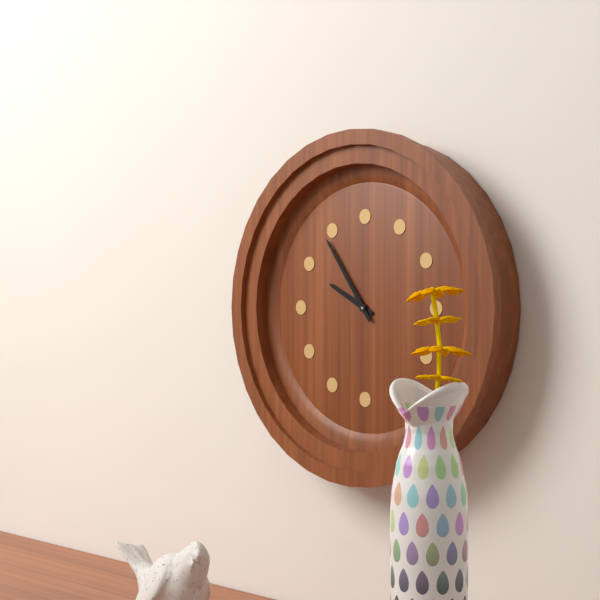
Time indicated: 9:54
